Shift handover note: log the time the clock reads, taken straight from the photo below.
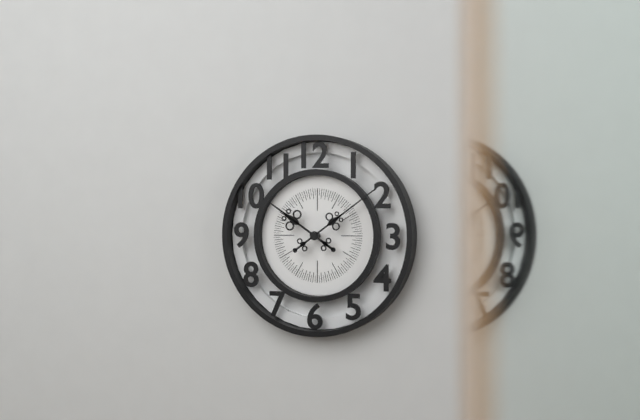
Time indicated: 10:09
